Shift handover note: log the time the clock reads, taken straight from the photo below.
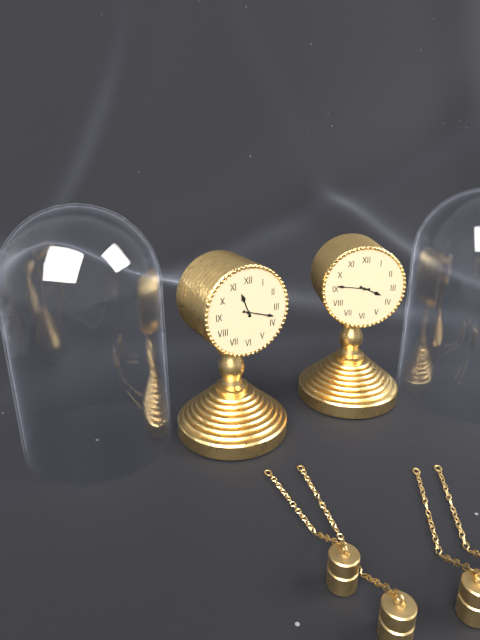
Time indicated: 11:18
